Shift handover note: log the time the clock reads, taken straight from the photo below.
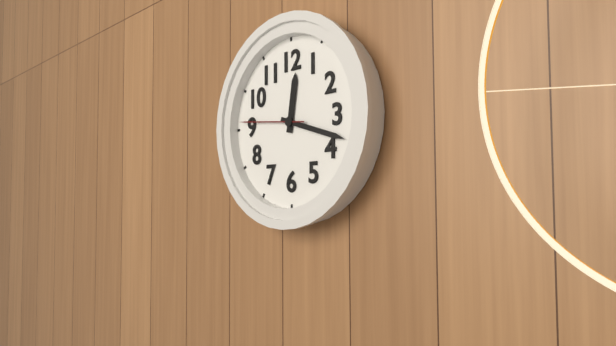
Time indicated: 12:18:46
